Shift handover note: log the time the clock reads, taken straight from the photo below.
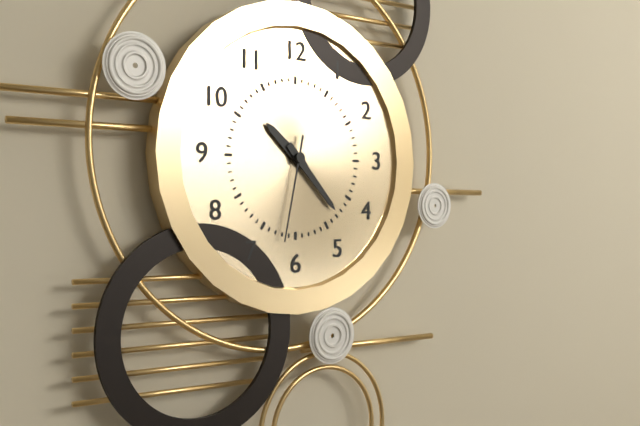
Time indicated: 10:23:32
